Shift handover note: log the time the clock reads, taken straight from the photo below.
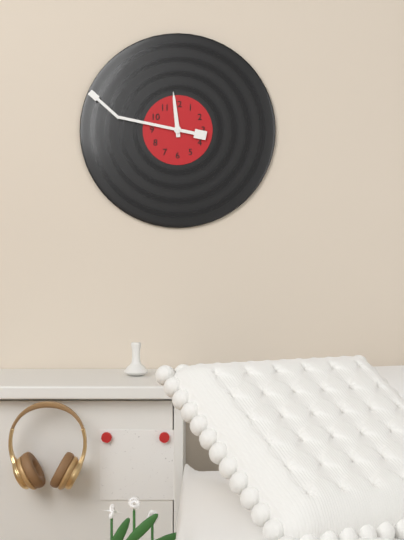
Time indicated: 11:47
